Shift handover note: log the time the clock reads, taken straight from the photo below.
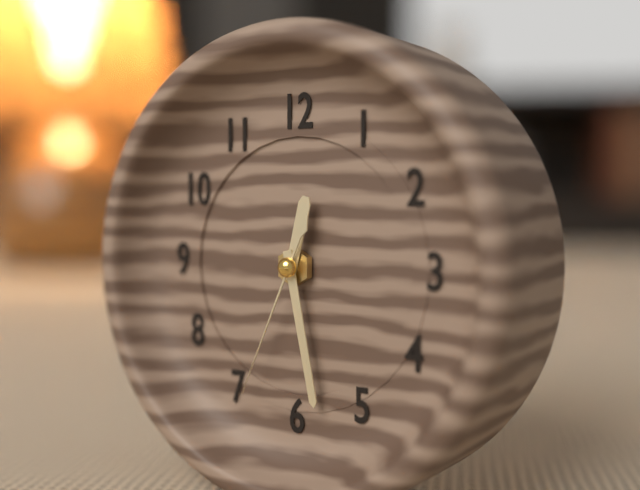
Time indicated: 12:28:34
